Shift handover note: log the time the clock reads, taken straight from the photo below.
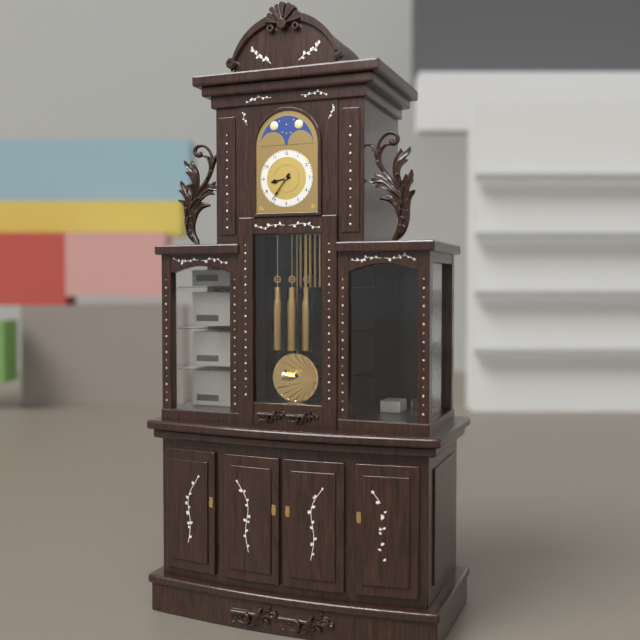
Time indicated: 8:36
